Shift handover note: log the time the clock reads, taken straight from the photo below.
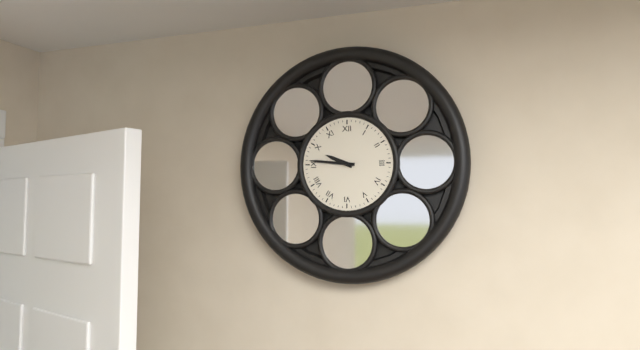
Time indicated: 9:46
